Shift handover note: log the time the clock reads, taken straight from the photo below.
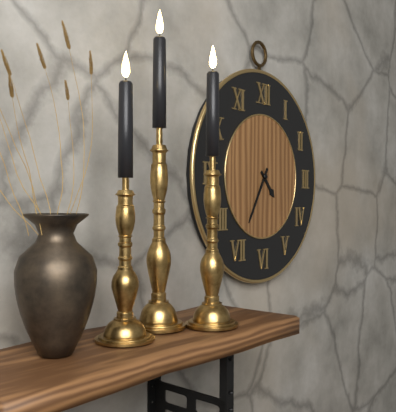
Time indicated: 4:35
